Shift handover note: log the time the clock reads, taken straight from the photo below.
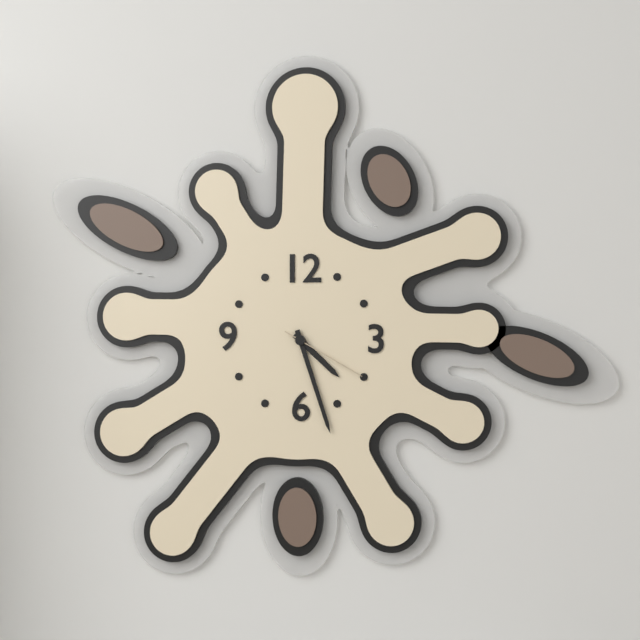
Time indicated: 4:27:20
